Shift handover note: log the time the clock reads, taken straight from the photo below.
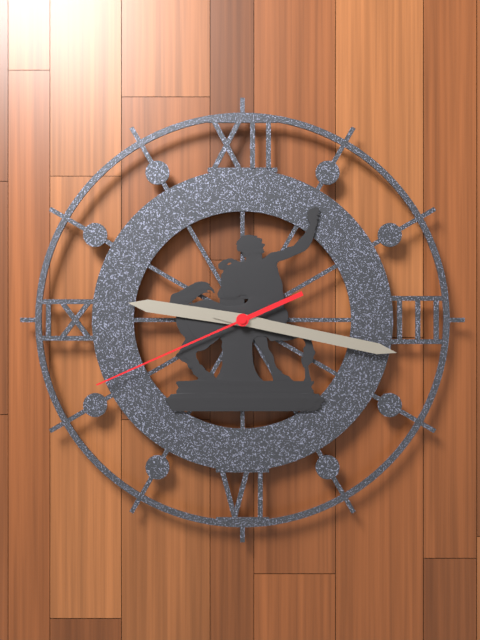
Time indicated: 9:17:41
